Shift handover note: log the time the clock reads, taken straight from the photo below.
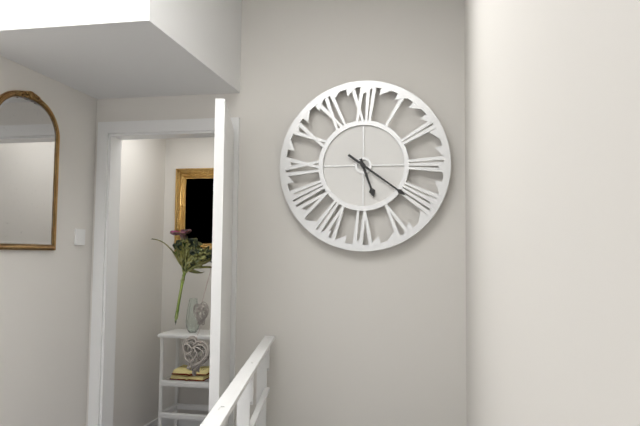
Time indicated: 5:21
